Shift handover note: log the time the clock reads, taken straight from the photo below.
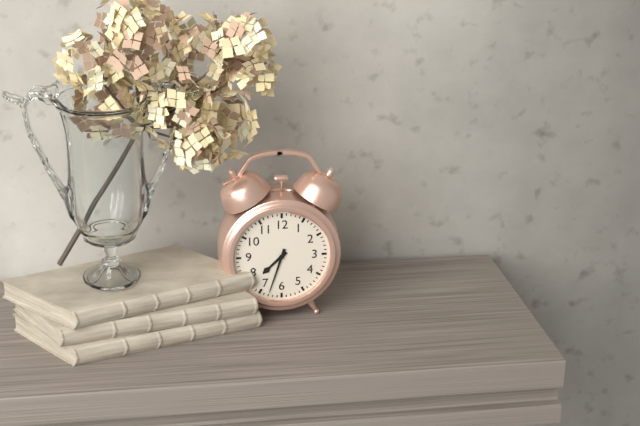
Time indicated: 7:33
